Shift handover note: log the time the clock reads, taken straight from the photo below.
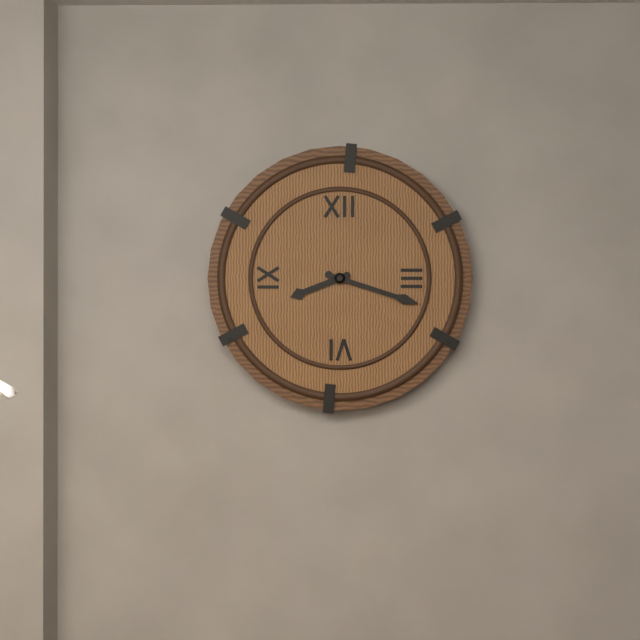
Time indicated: 8:18
